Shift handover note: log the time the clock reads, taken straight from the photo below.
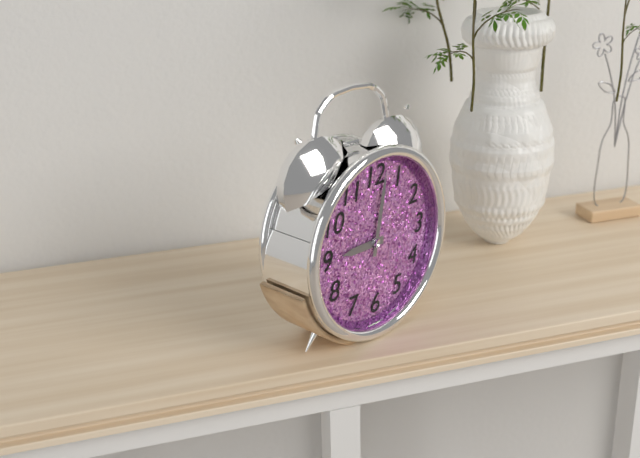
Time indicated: 9:02
